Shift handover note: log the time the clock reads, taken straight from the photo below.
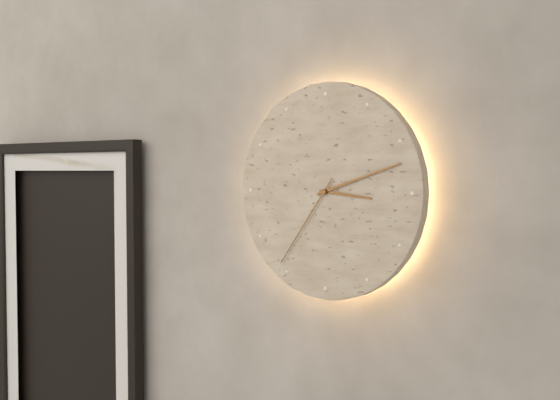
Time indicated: 3:12:36
